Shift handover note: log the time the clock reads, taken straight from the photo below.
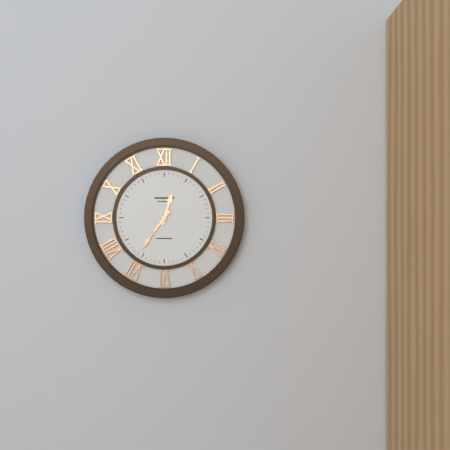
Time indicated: 12:36
